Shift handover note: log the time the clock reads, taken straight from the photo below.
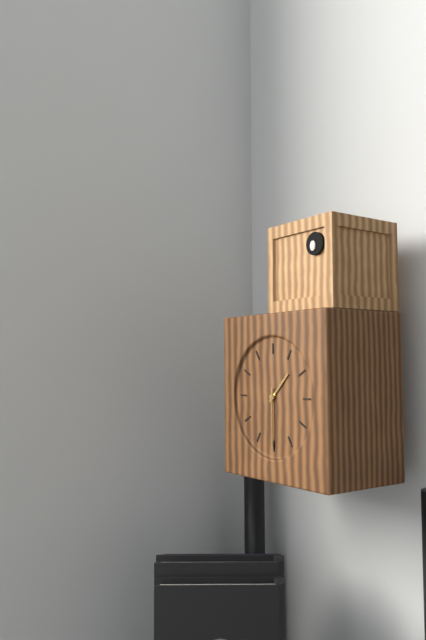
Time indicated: 1:30
